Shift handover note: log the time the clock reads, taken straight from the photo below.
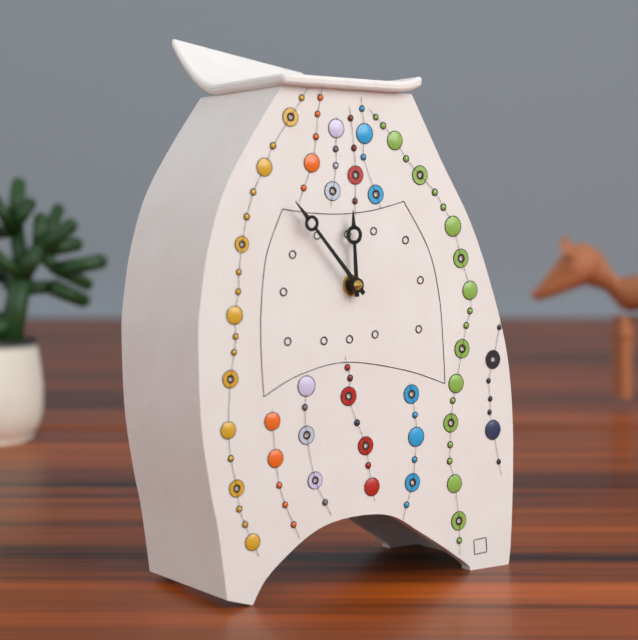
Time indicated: 11:53
